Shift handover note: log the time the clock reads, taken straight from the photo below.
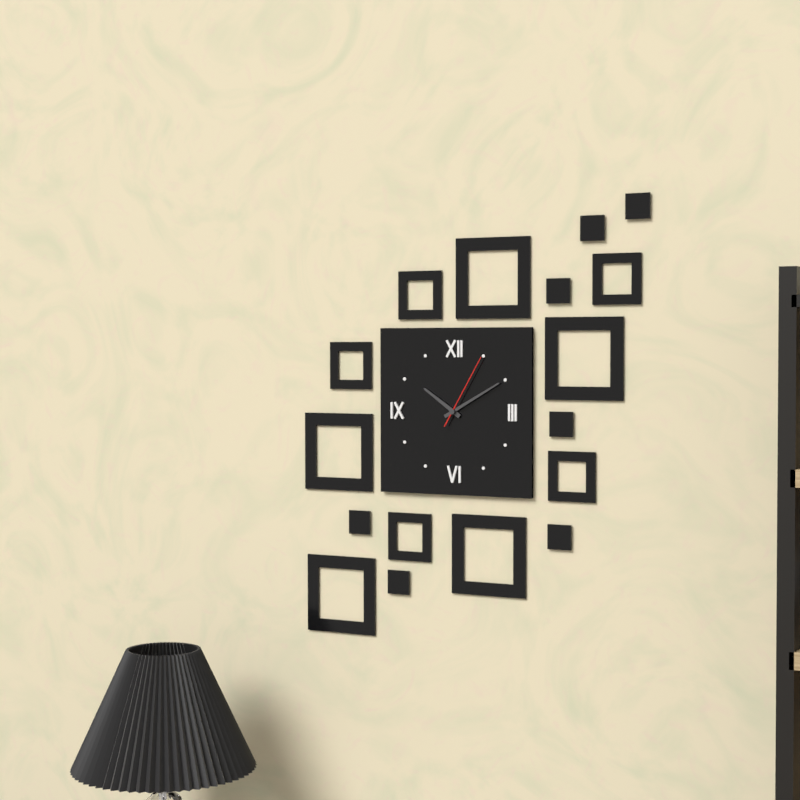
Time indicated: 10:10:05
